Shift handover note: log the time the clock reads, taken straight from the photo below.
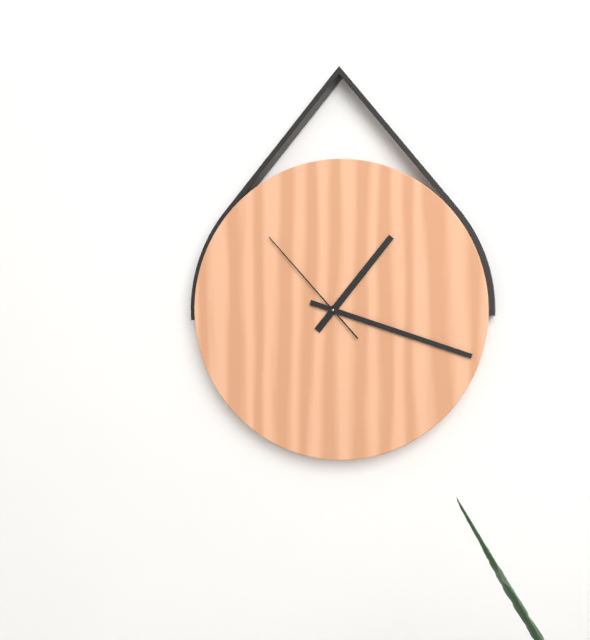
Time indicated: 1:18:53
